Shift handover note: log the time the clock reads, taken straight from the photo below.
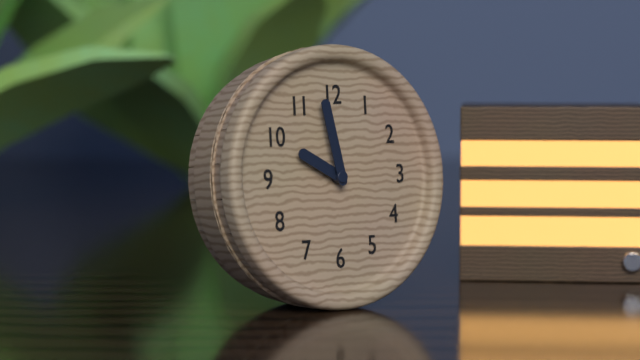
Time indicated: 9:58
